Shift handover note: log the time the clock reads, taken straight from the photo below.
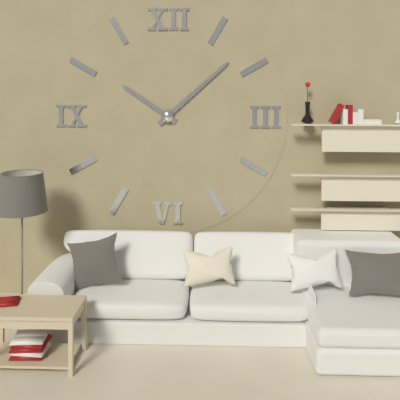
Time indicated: 10:08
